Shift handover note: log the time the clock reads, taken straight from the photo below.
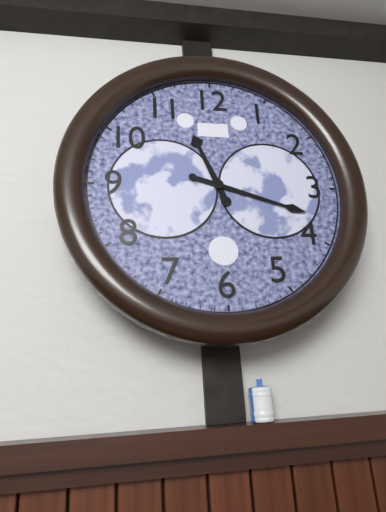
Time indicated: 11:18
